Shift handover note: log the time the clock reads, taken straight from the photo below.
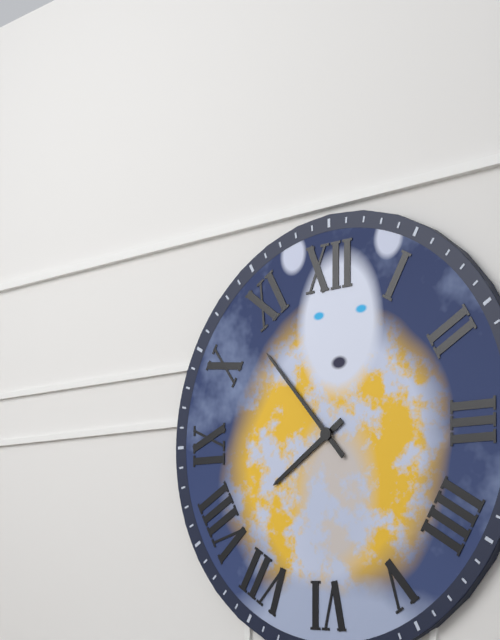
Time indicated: 7:53
